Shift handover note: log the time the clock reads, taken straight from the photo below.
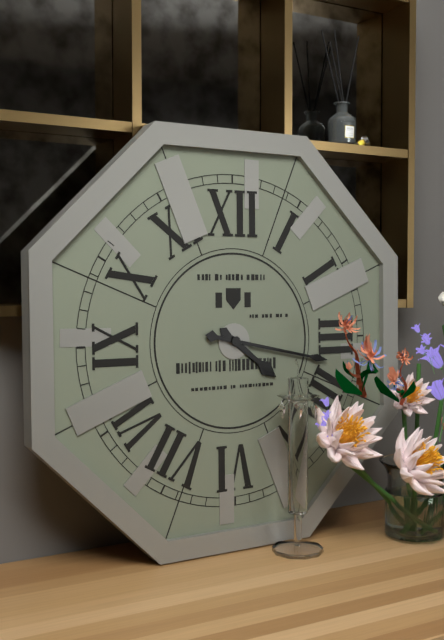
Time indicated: 4:17
